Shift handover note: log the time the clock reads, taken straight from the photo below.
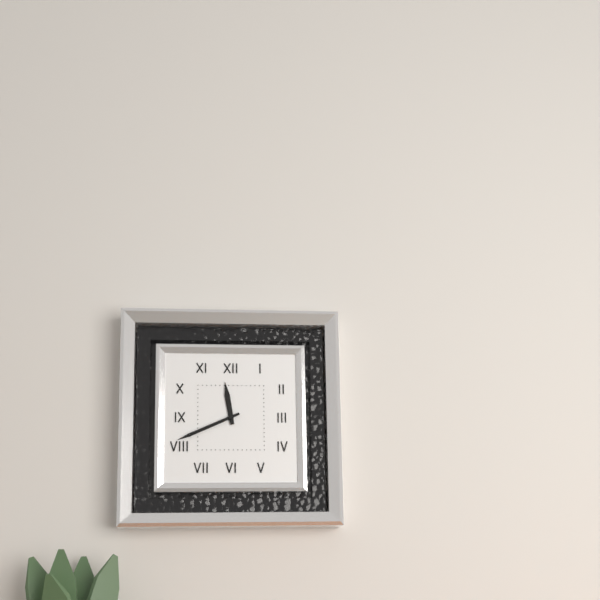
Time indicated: 11:41
